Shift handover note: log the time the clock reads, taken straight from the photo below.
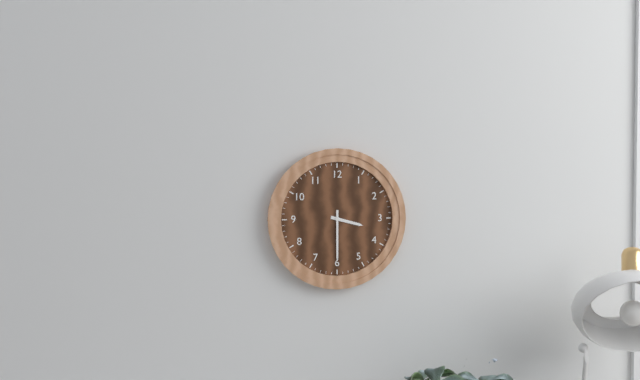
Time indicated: 3:30
